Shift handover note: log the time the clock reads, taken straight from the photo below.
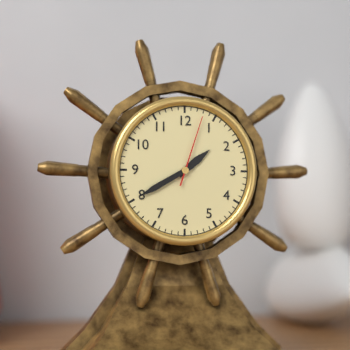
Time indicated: 1:40:03
